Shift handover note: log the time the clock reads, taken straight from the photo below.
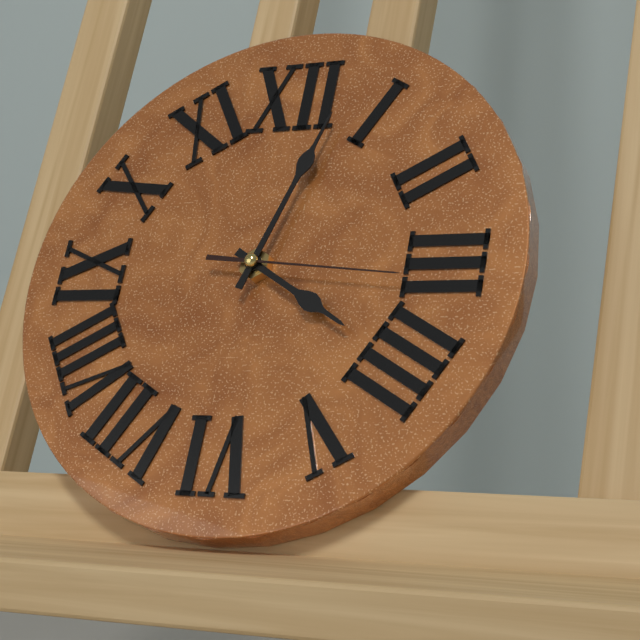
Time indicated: 4:03:16
